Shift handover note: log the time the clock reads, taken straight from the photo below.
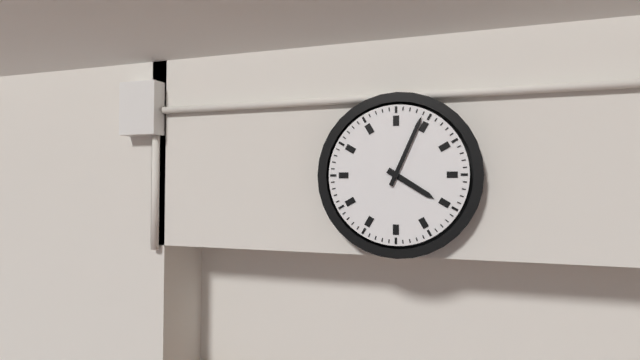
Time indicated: 4:04
